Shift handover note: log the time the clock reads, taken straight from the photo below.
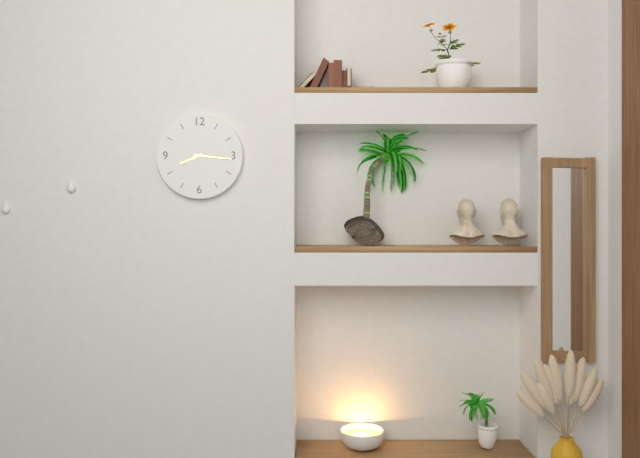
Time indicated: 8:16
